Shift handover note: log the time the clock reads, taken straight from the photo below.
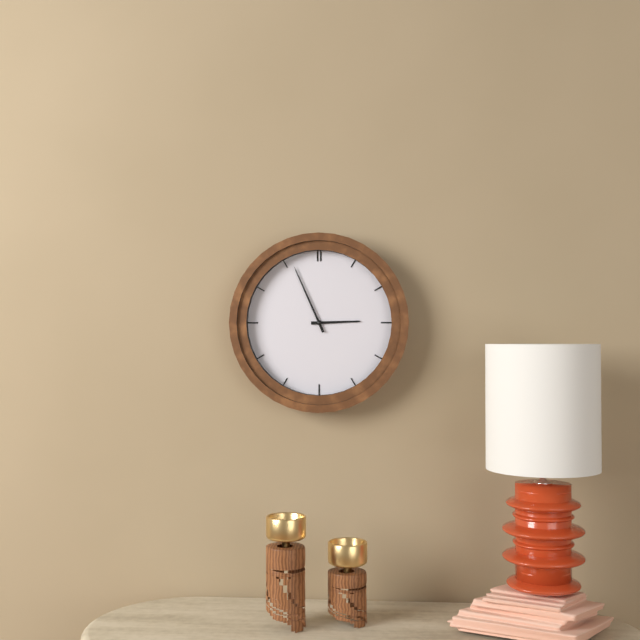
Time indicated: 2:56
